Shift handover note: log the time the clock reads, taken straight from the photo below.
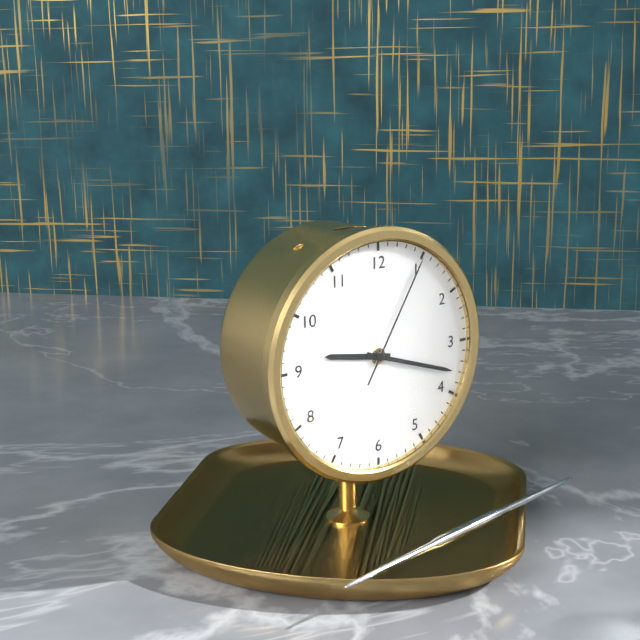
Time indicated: 9:18:05
